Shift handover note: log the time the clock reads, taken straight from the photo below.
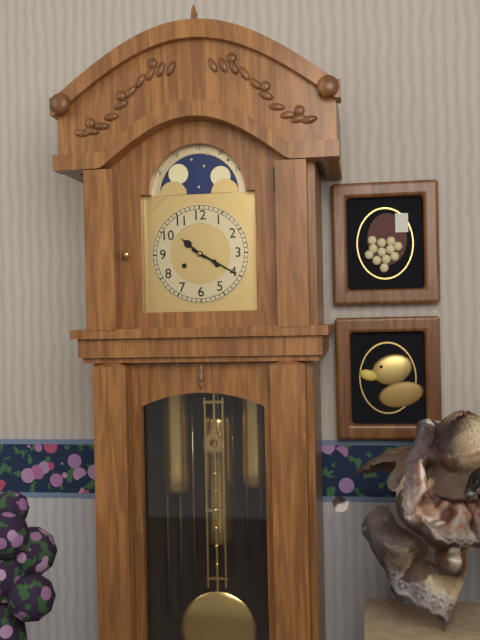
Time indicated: 10:20
